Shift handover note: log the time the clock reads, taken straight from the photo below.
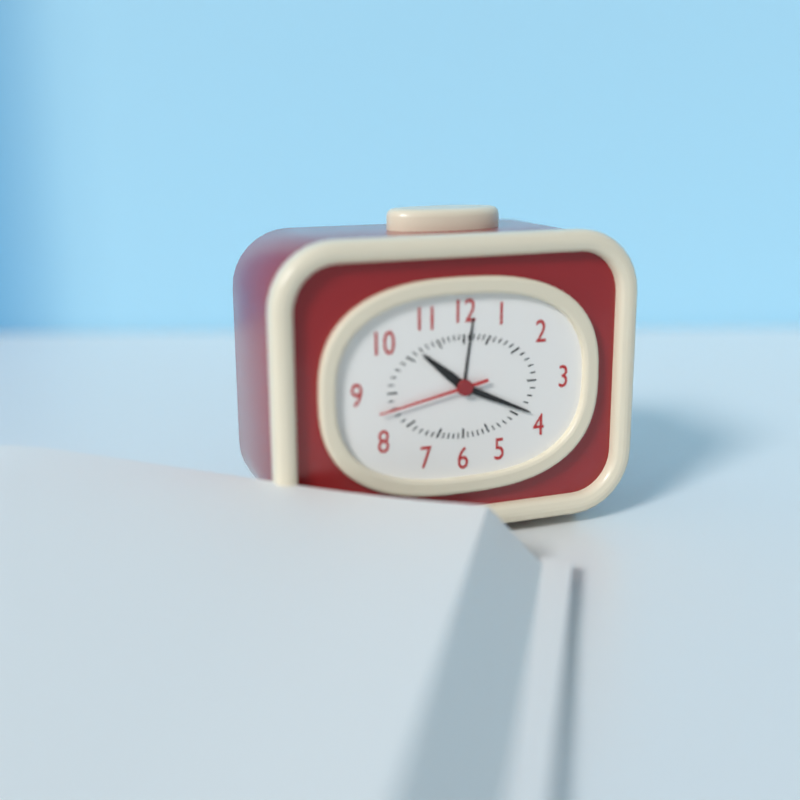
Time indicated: 10:19:43
